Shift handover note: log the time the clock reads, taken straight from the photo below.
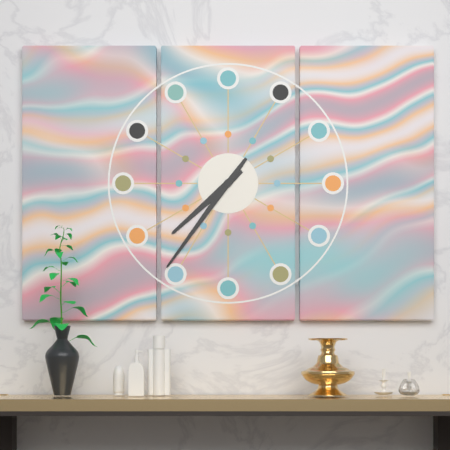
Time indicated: 7:36
